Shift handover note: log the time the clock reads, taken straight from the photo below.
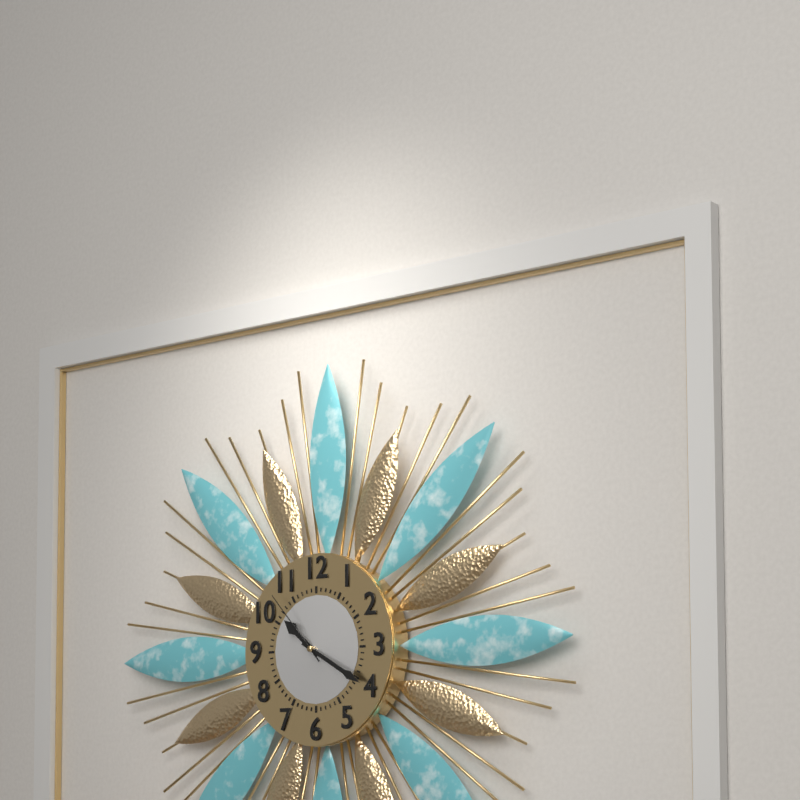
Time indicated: 10:20:53
